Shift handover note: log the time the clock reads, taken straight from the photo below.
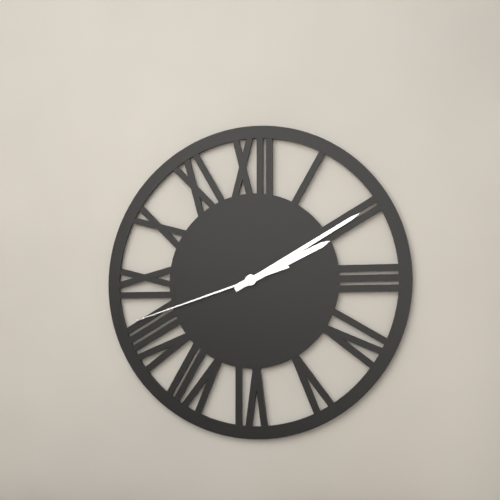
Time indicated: 2:10:42
